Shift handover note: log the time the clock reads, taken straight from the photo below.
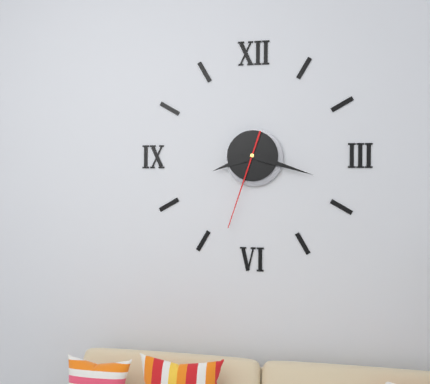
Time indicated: 8:18:33
